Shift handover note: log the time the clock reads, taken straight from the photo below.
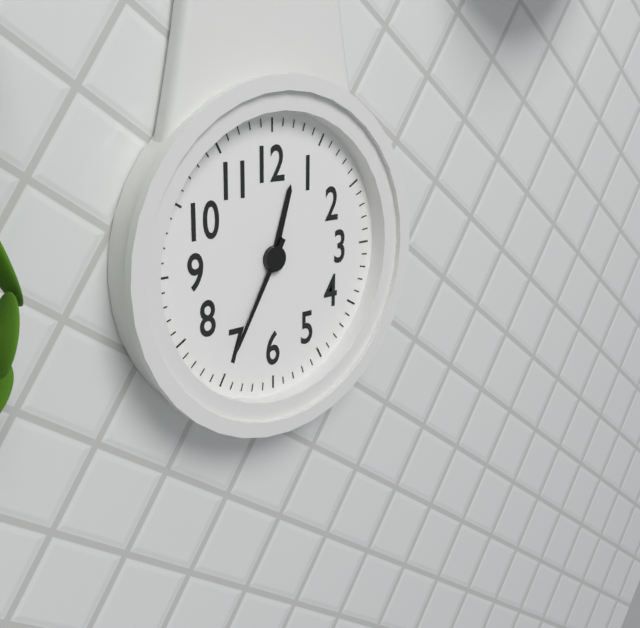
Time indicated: 12:35
